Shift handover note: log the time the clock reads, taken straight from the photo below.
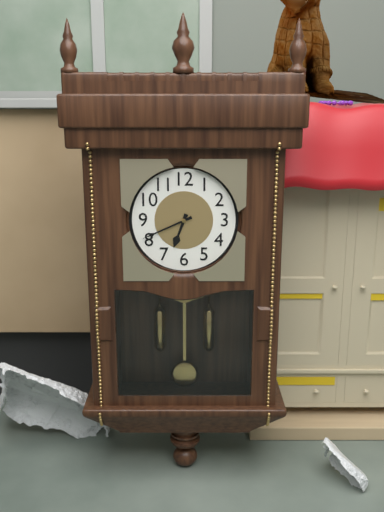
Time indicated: 6:41
